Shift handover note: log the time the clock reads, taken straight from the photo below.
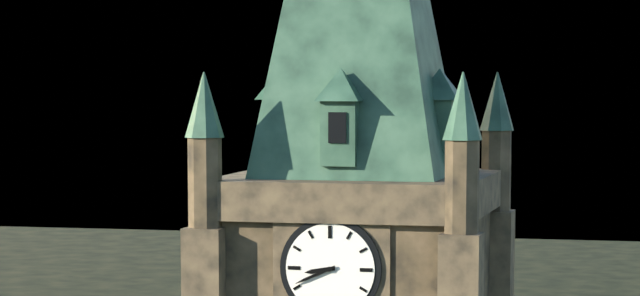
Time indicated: 8:41
